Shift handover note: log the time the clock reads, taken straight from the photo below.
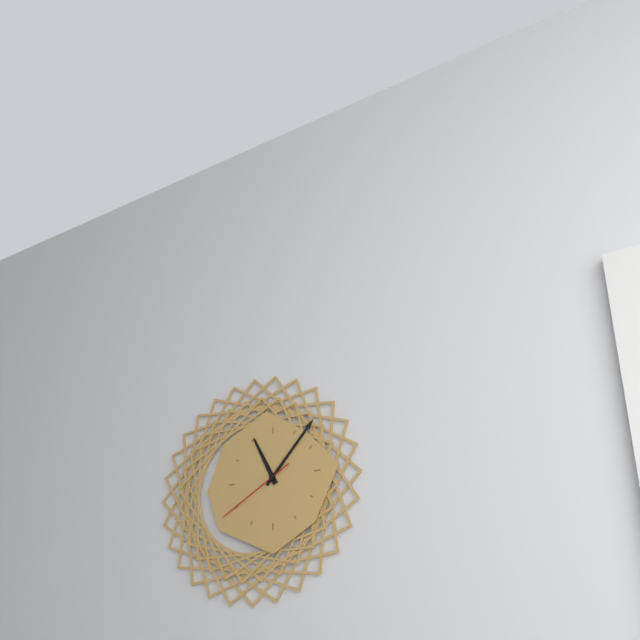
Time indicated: 11:07:40
